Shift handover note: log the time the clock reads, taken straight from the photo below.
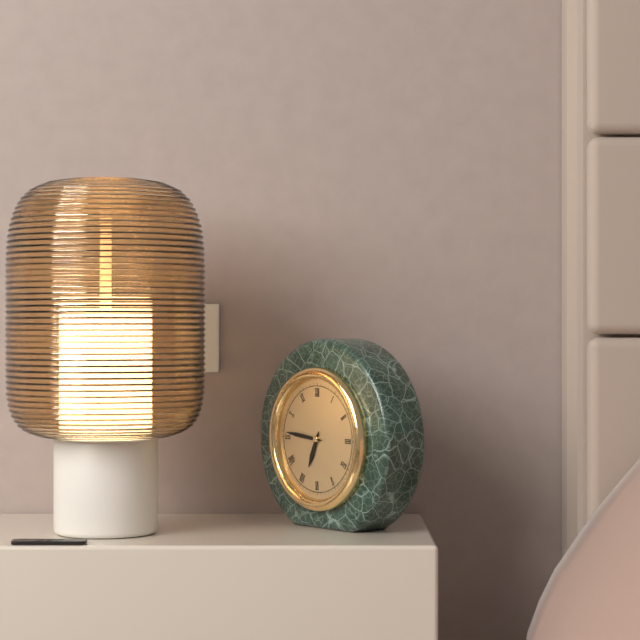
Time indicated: 6:46
